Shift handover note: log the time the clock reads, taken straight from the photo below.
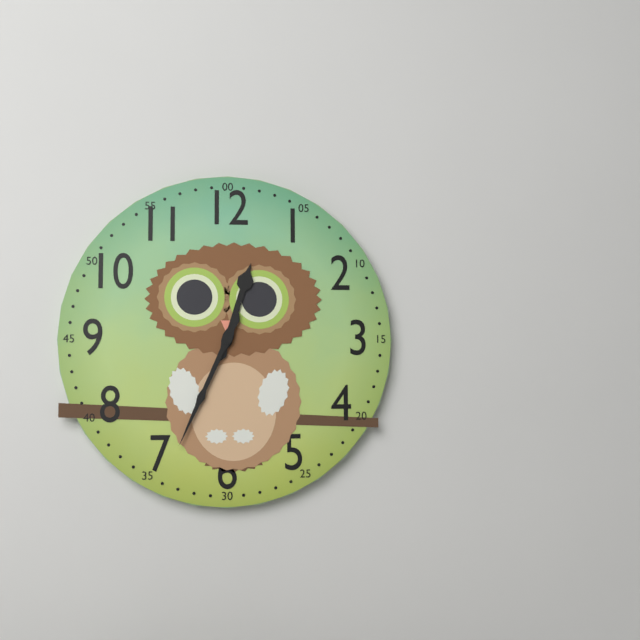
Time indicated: 12:34
